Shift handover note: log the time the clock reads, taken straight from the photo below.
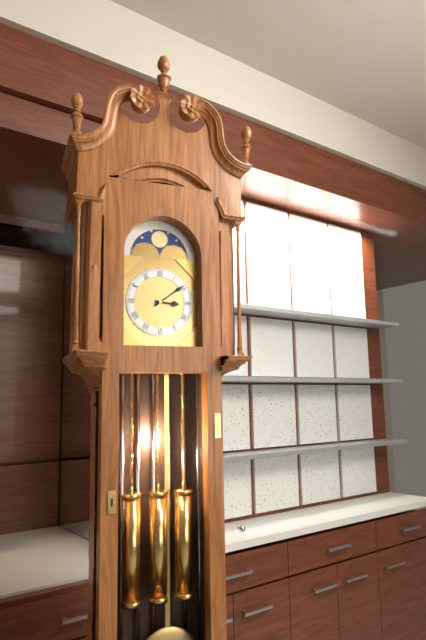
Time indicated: 3:09
